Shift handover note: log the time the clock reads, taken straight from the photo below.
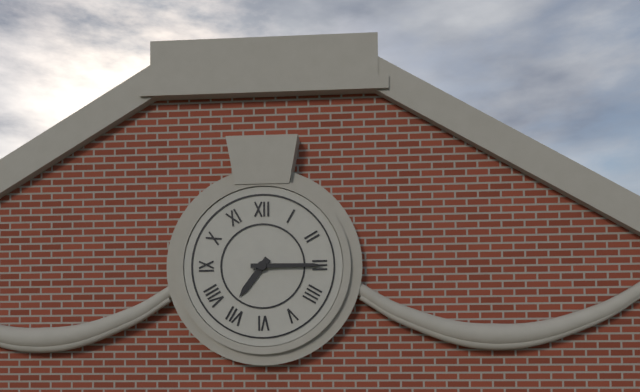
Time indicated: 7:15
